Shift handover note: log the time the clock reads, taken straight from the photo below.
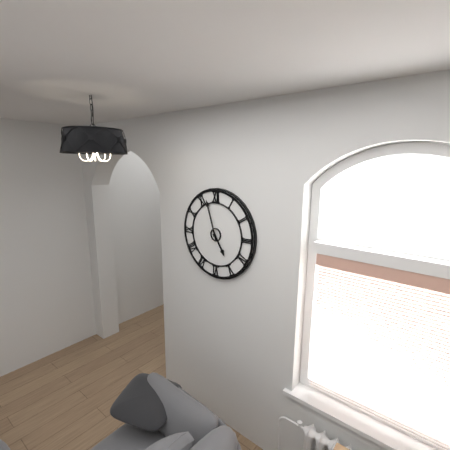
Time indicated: 4:57
